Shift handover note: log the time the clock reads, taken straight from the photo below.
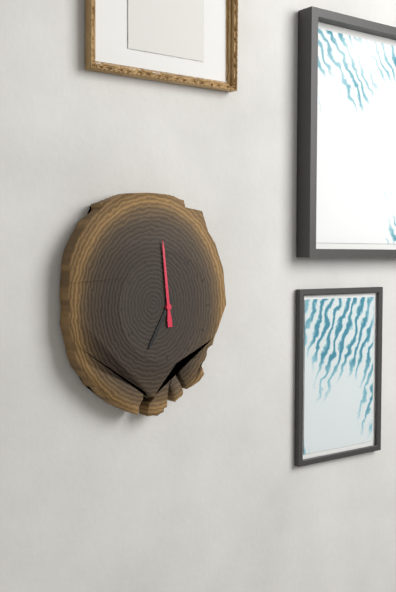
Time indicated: 6:59
